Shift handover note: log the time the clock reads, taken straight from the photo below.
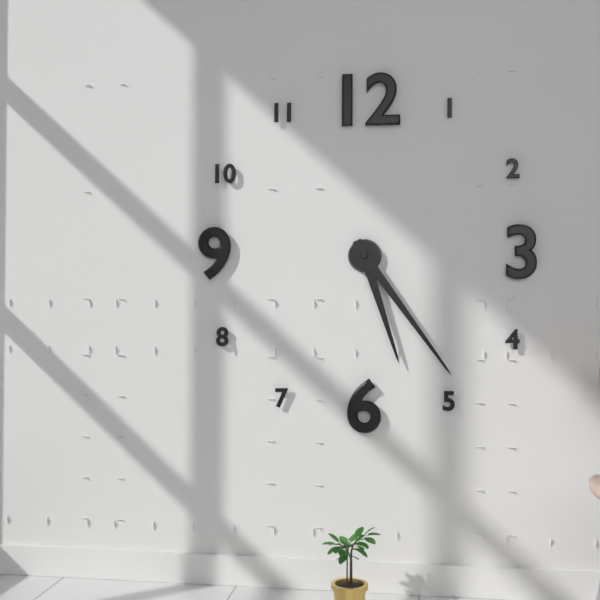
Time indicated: 5:24
